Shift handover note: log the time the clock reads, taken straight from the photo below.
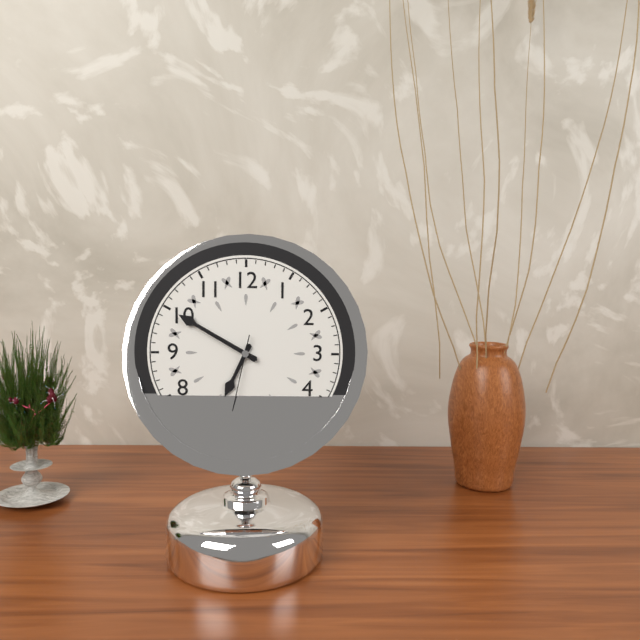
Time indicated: 6:50
